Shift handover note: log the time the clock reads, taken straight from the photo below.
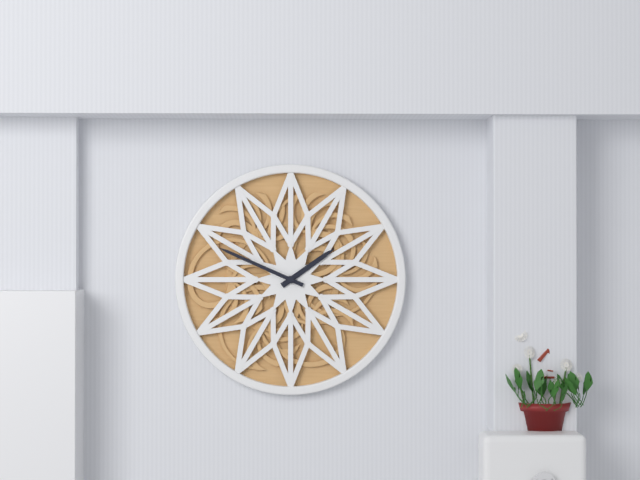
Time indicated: 1:49
